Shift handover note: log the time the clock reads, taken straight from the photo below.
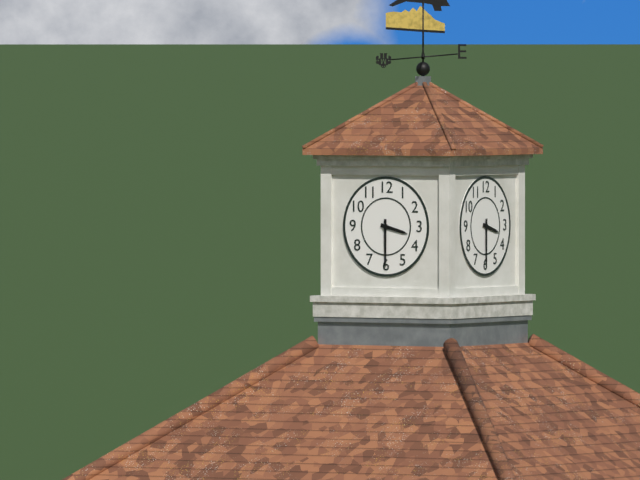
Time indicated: 3:30
